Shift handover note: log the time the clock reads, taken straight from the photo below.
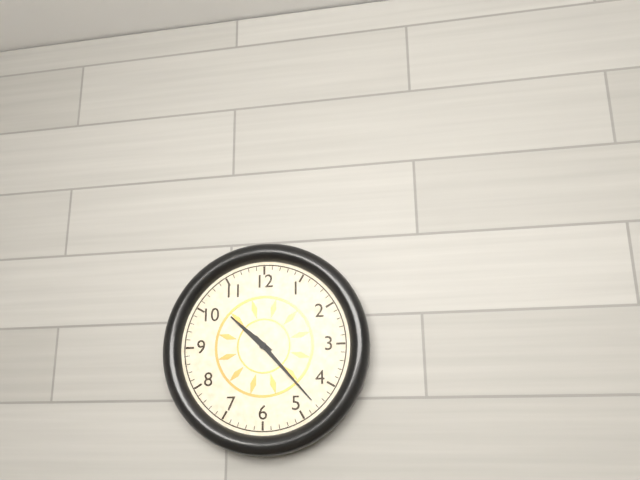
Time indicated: 10:23
